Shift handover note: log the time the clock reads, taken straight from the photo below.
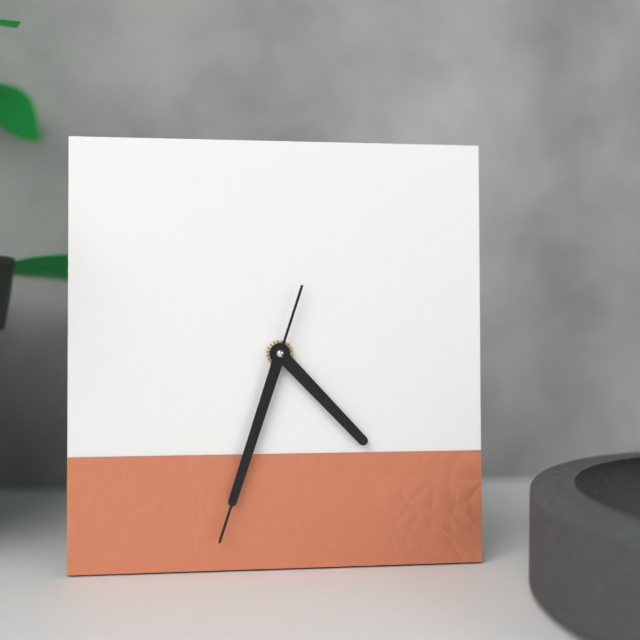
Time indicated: 4:33:33
